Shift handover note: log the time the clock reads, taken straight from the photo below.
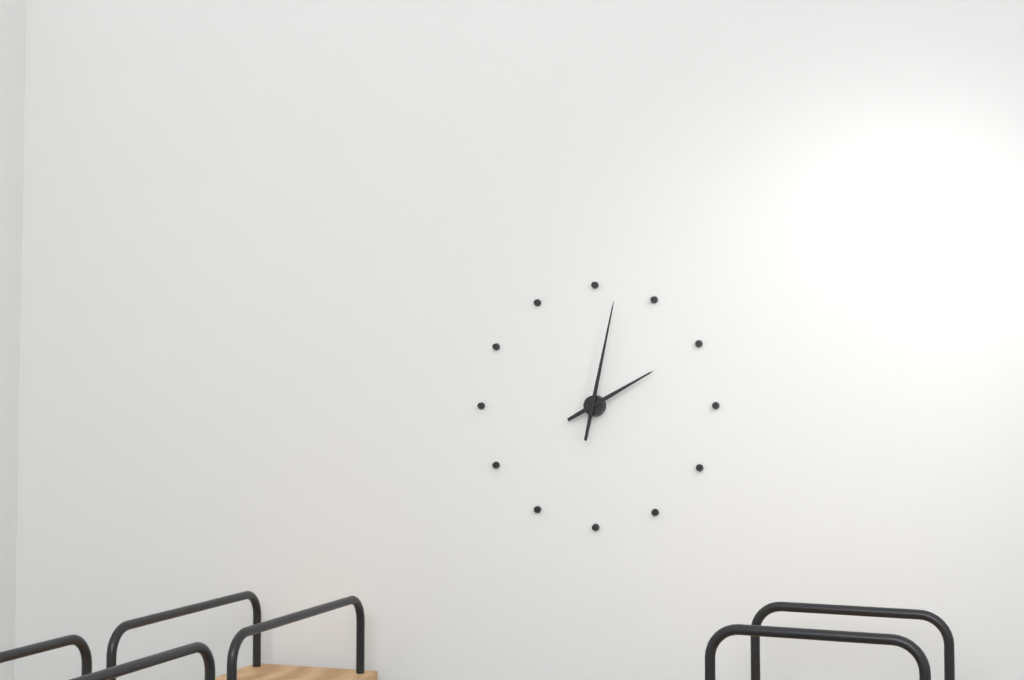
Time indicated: 2:02
